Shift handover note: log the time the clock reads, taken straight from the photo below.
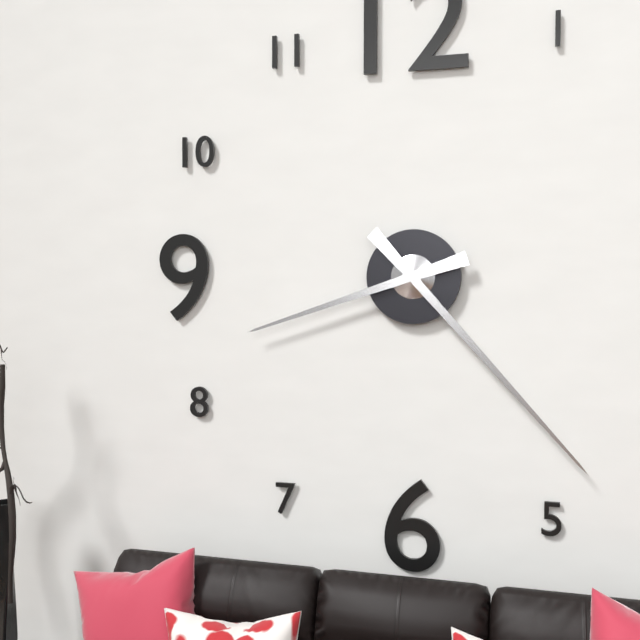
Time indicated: 8:23
